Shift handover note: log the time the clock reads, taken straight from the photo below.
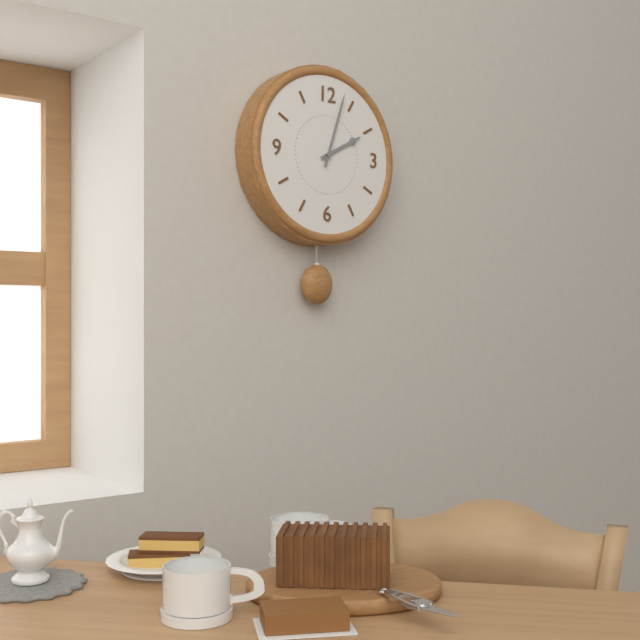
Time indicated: 2:03
